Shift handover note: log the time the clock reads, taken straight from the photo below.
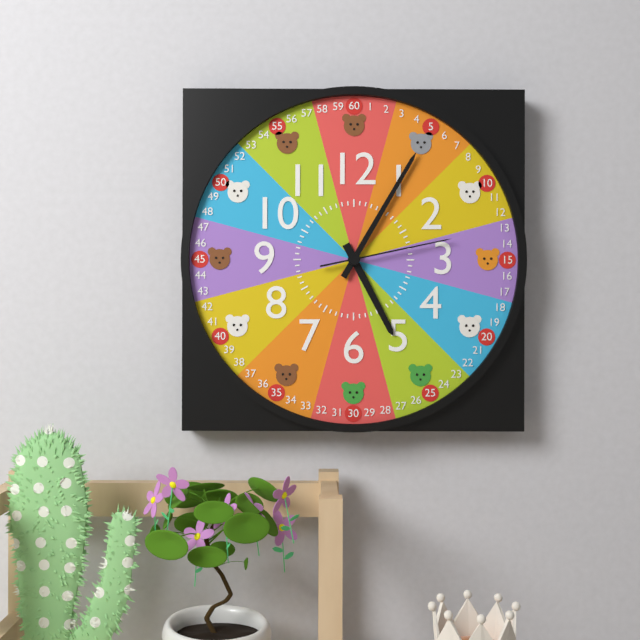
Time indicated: 5:05:13
